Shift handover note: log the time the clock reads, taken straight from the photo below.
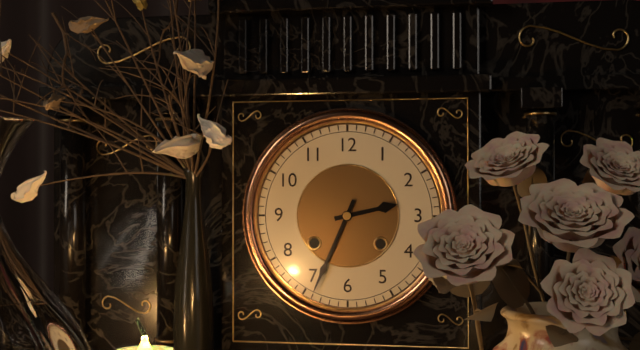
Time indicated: 2:34
